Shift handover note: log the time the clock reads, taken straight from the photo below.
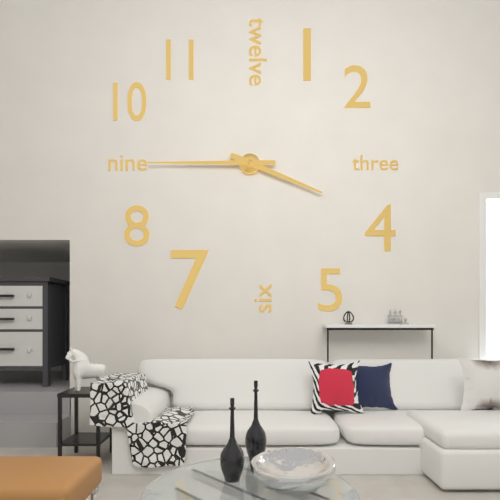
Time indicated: 3:45
